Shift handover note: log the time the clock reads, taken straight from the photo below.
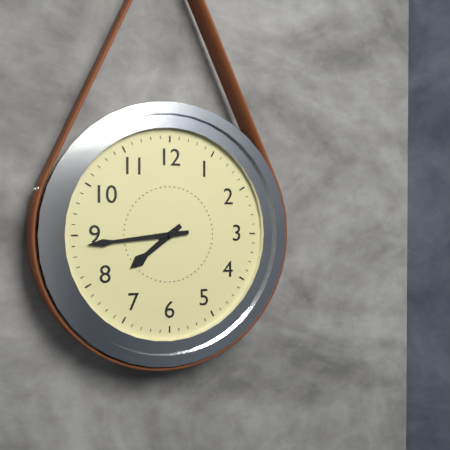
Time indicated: 7:44
